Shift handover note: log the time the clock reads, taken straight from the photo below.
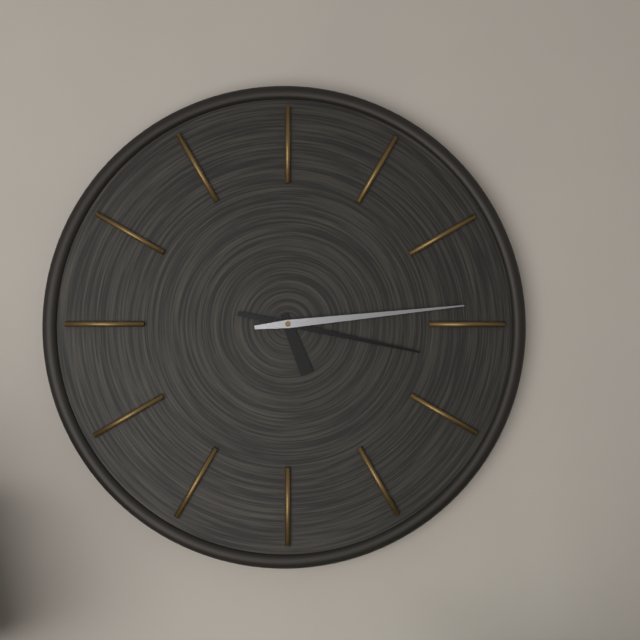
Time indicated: 5:17:14
